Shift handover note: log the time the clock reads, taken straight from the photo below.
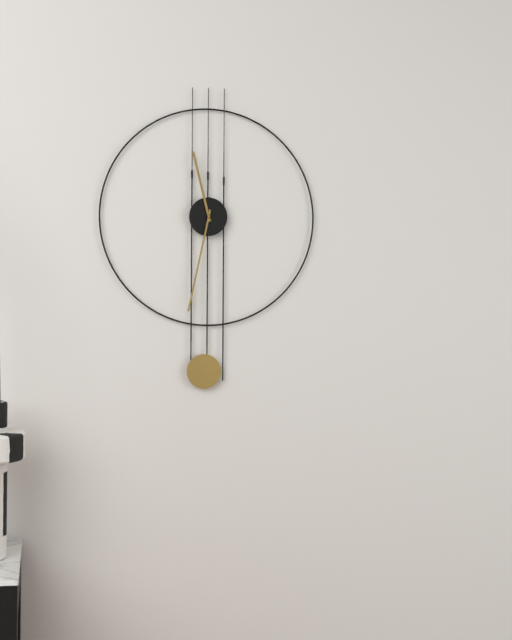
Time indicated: 11:32
